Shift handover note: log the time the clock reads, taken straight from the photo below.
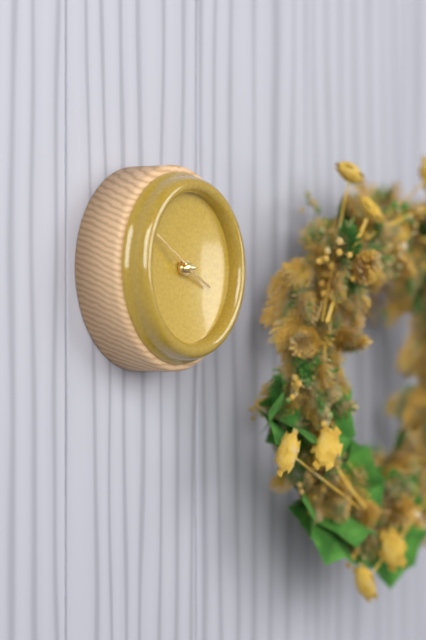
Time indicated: 3:50
